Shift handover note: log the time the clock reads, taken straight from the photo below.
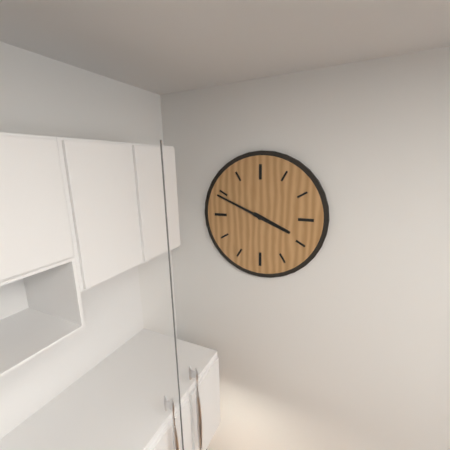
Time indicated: 3:49
